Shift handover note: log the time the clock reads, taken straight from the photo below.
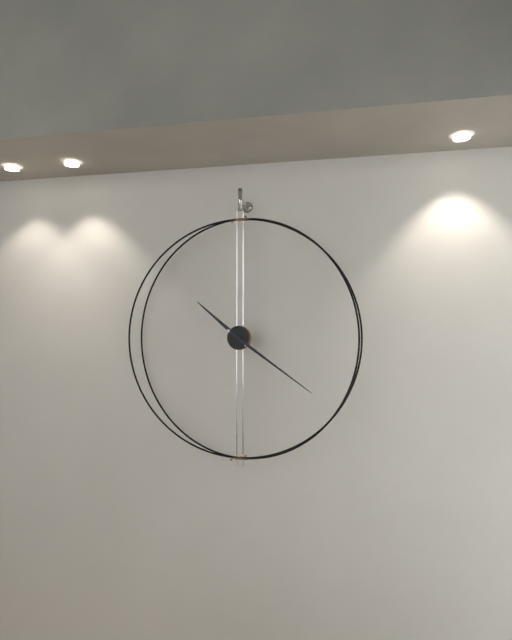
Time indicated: 10:21
